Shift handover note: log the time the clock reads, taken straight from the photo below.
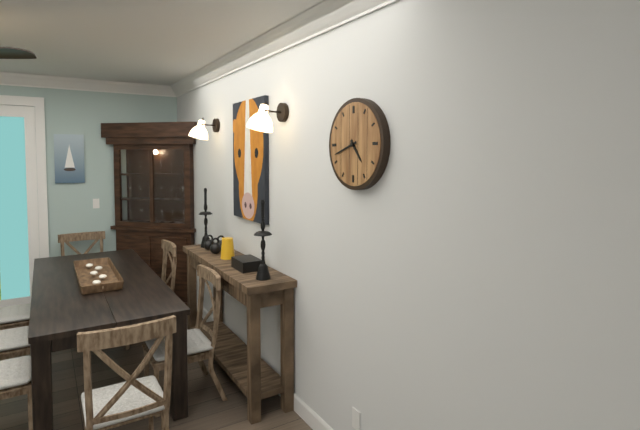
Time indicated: 4:42
